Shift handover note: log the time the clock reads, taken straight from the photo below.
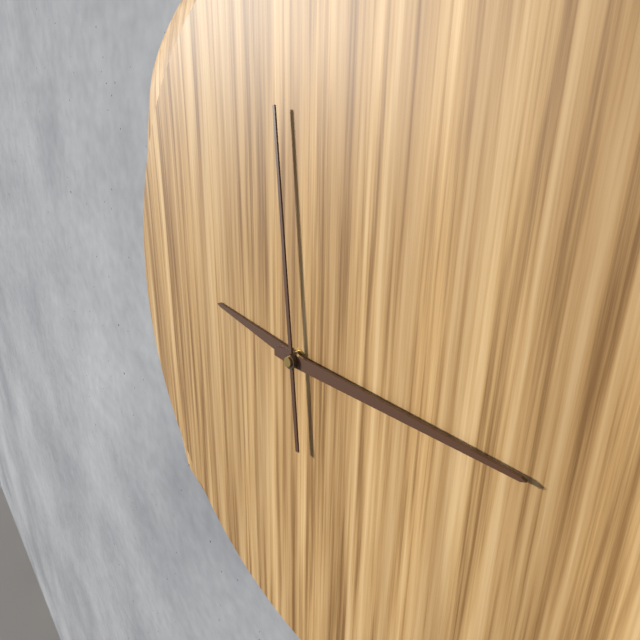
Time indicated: 9:15:59
